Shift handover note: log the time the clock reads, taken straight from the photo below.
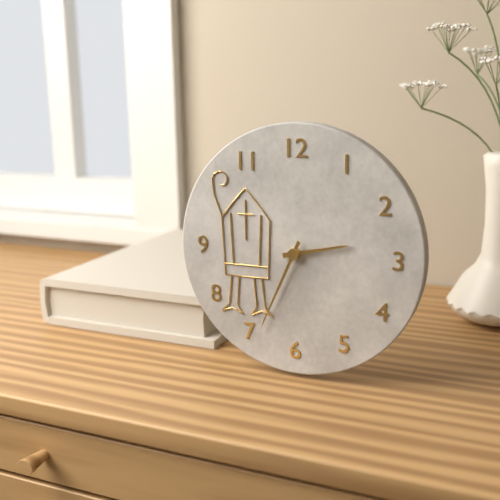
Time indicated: 2:34
